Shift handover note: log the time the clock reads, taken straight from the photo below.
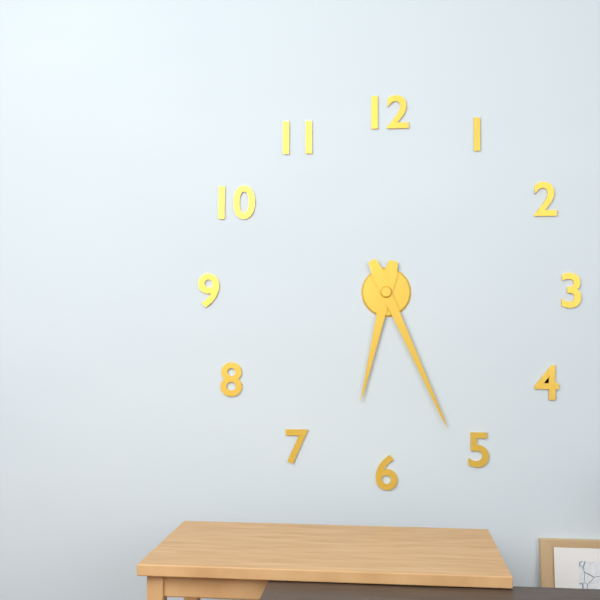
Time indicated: 6:26
